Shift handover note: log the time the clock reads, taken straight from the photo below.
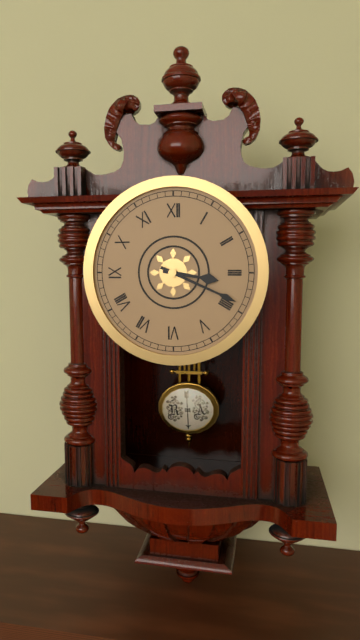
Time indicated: 3:19
